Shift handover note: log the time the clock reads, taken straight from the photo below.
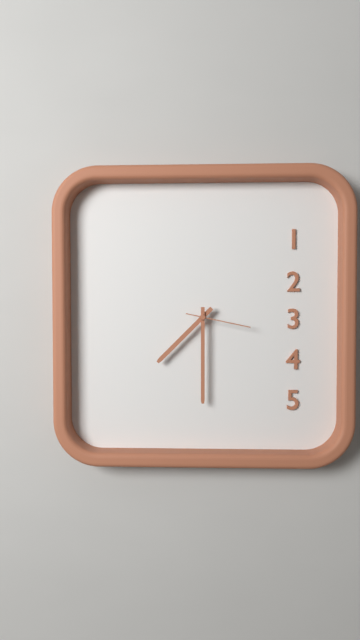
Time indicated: 7:30:17
